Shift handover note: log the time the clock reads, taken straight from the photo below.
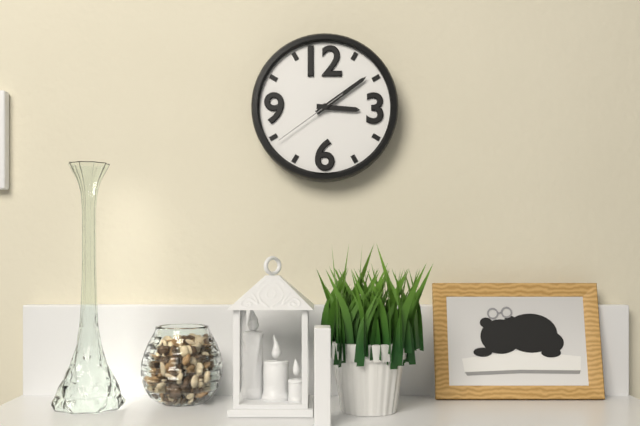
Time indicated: 3:09:39
